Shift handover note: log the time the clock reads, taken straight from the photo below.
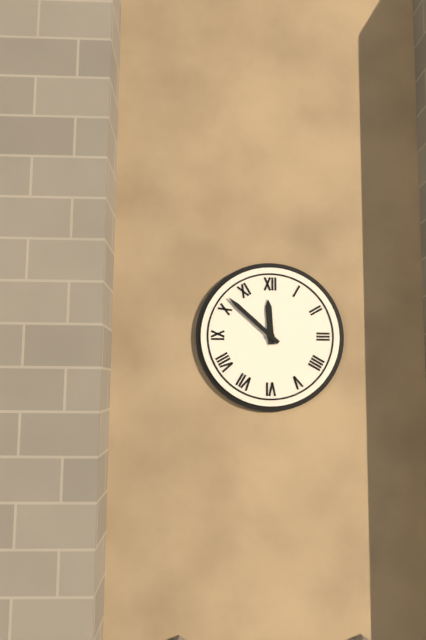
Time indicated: 11:52
